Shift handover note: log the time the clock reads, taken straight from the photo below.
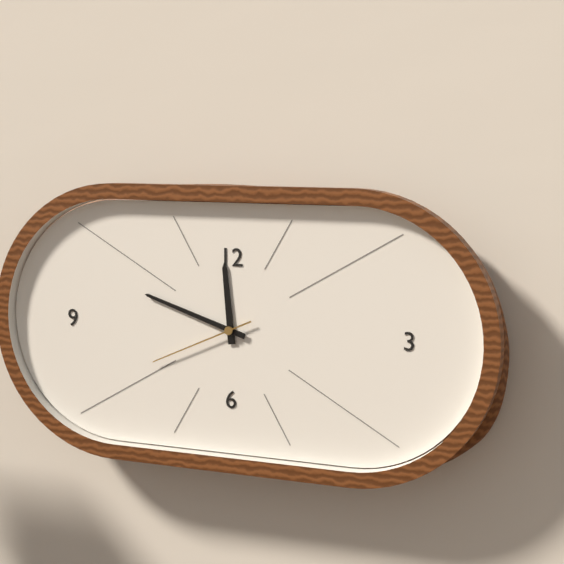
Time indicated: 11:48:41
